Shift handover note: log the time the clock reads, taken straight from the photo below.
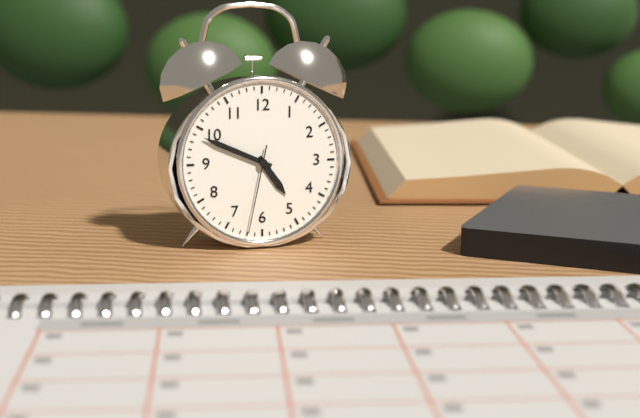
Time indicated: 4:49:32
